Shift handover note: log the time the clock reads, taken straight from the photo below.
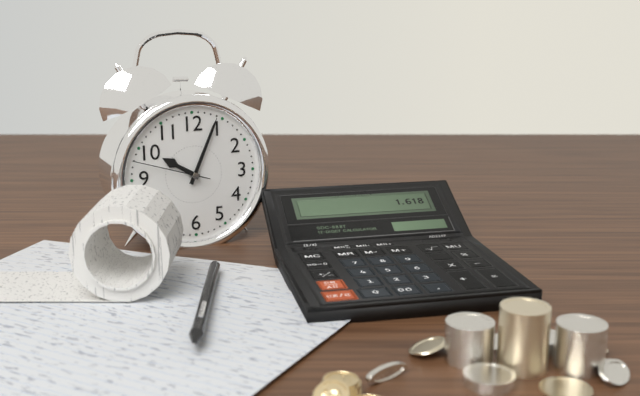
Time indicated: 10:04:48
